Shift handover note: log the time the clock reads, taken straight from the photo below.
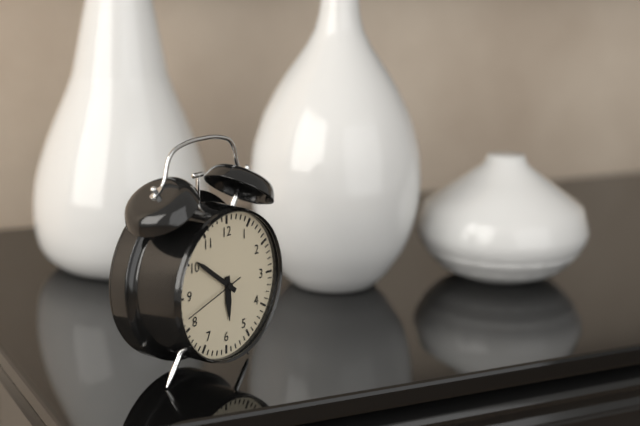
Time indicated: 5:51:42
